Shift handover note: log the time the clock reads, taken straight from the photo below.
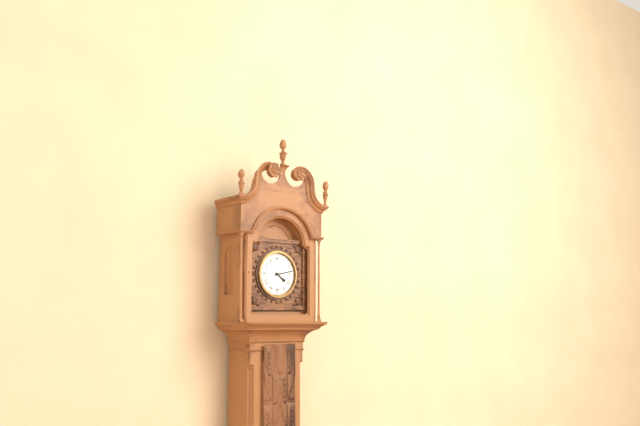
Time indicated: 4:13
